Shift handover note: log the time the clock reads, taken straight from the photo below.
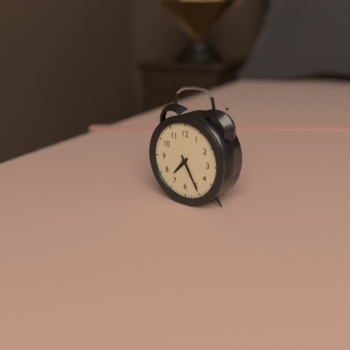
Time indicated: 7:25
